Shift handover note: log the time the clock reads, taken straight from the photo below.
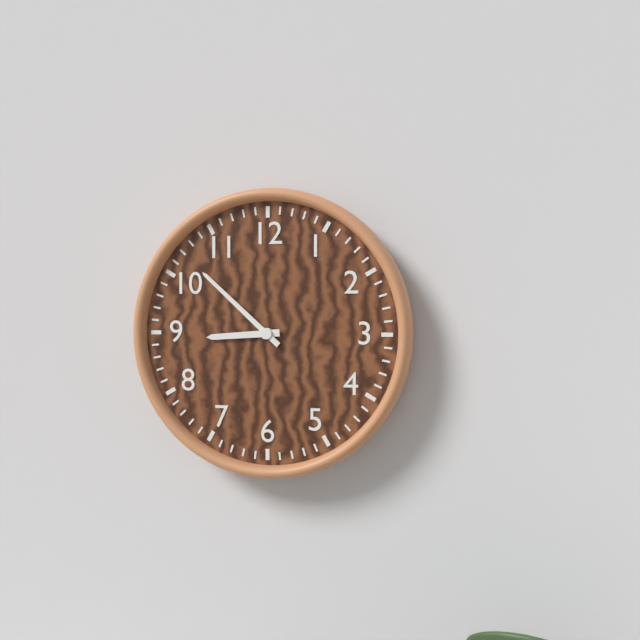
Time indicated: 8:52
